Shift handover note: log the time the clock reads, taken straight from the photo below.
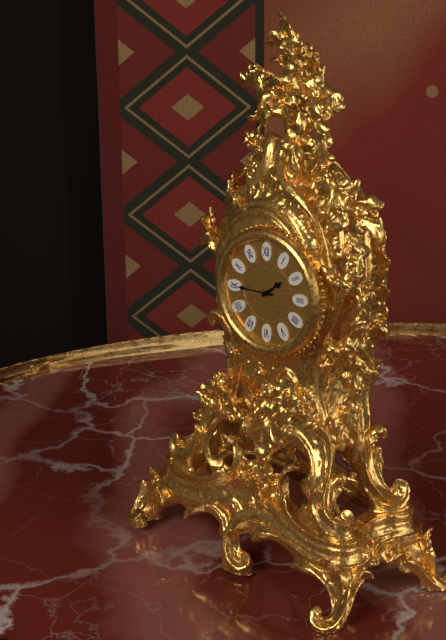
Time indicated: 1:45
